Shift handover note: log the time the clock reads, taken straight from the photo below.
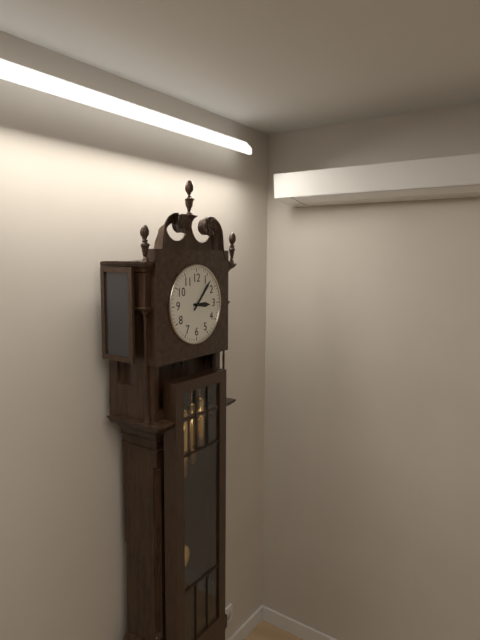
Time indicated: 3:07
